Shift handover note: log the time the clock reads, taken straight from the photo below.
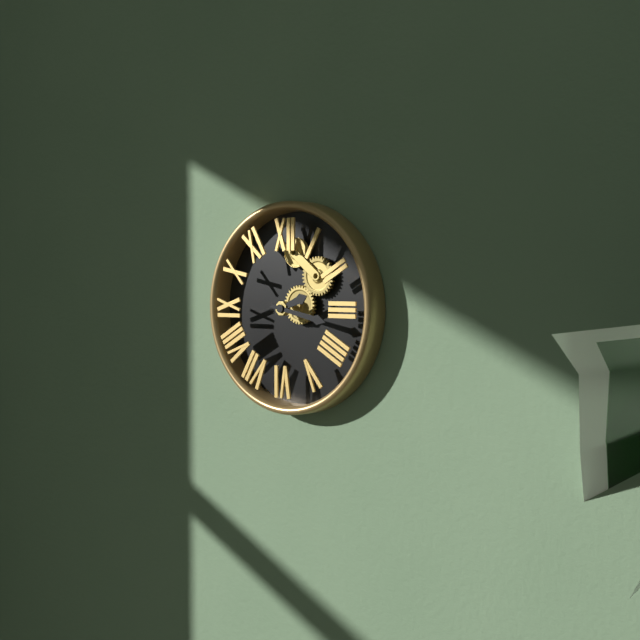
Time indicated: 2:17
